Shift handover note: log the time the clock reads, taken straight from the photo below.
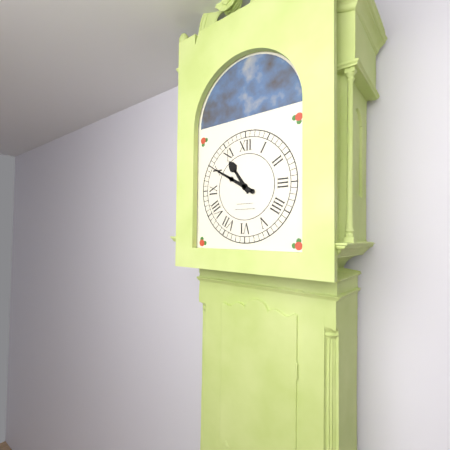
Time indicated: 10:50
